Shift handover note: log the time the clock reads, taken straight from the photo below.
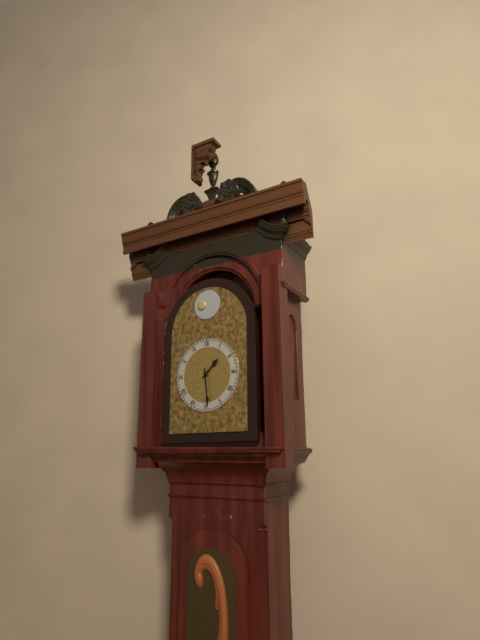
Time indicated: 1:29
